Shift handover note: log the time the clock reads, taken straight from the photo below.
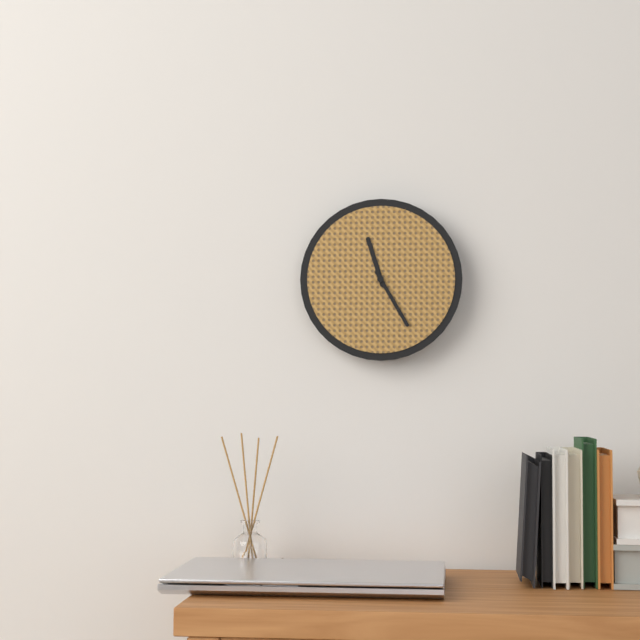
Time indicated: 11:25
